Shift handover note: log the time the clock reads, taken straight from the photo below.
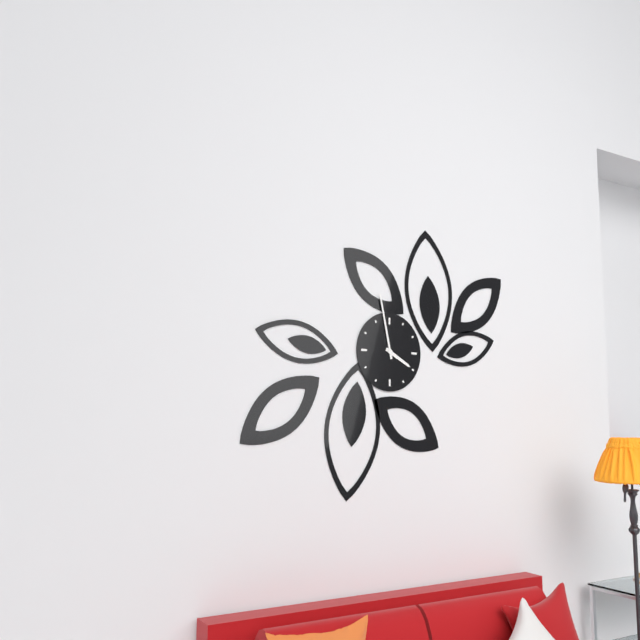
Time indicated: 3:58
